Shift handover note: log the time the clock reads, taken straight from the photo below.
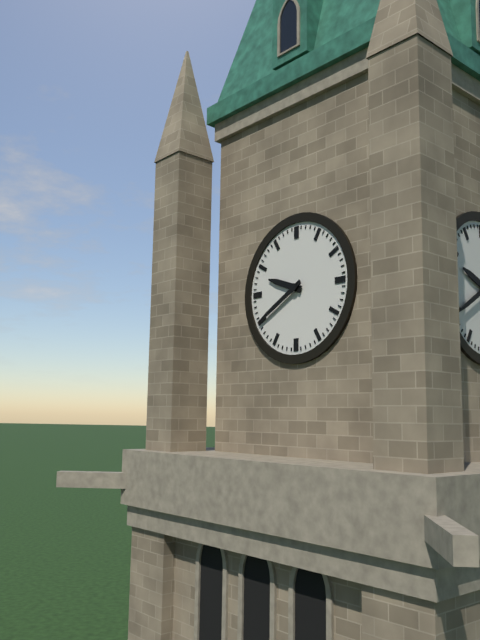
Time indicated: 9:40
